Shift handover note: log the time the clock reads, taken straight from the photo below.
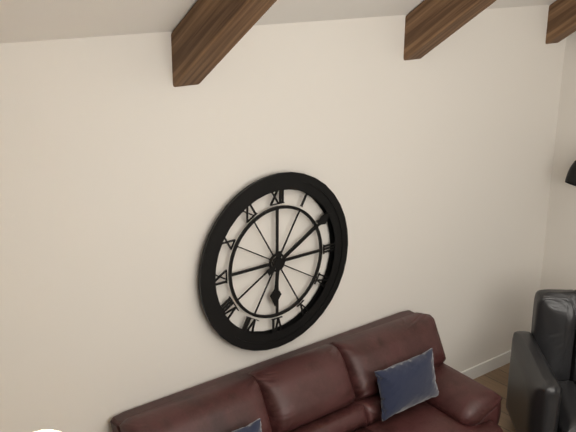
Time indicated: 6:10
